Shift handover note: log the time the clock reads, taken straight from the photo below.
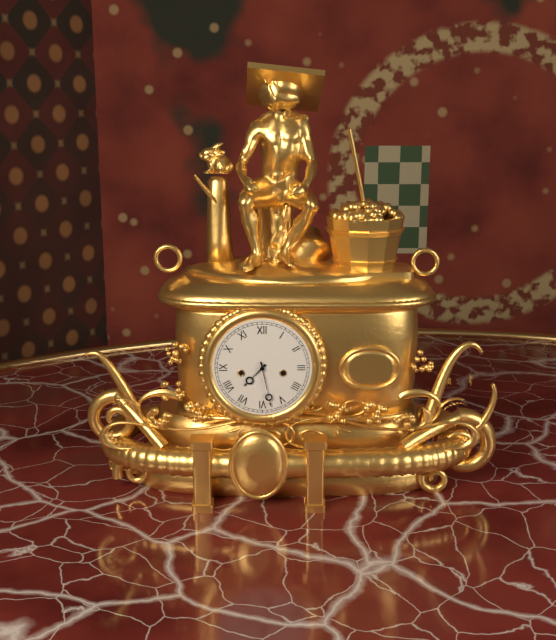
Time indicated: 7:28
